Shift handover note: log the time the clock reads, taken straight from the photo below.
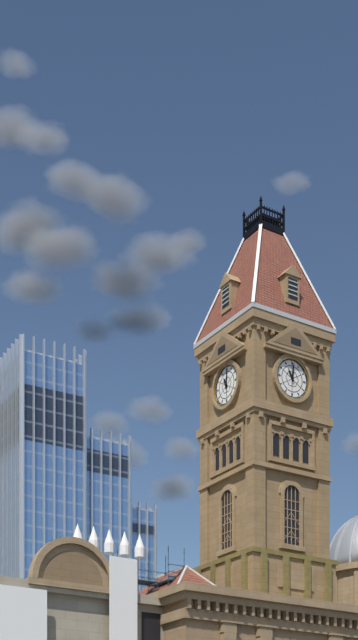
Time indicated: 11:01
